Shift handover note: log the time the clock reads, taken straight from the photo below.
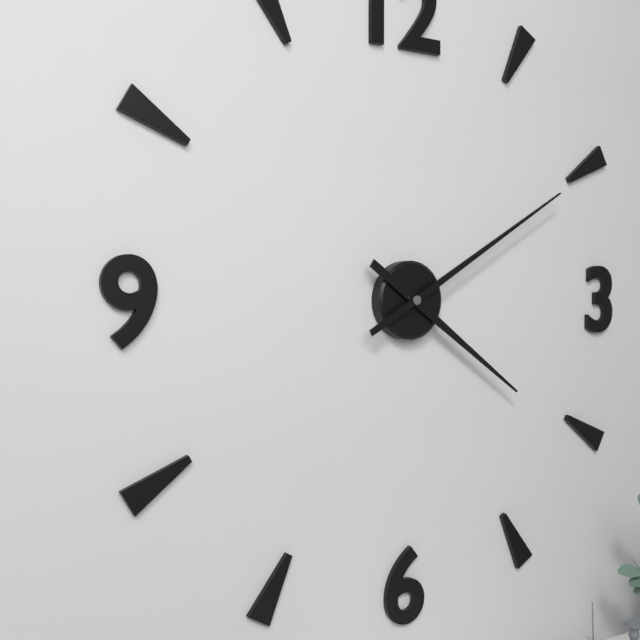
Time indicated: 4:10
